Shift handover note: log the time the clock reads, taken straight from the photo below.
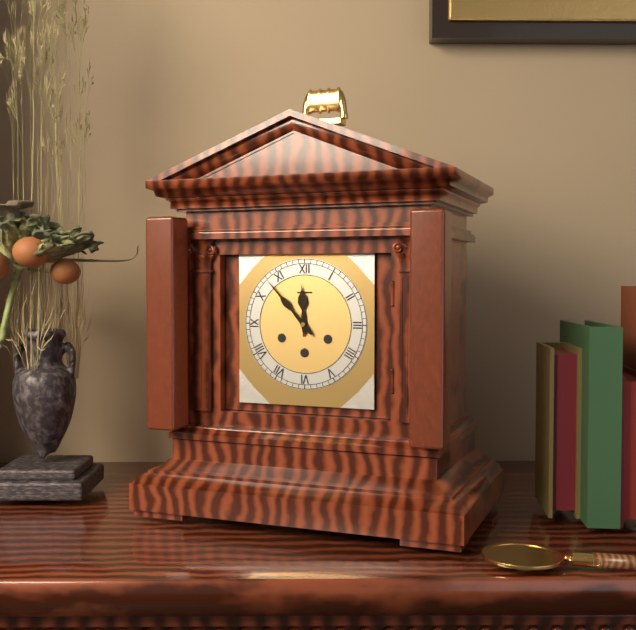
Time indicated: 11:53
